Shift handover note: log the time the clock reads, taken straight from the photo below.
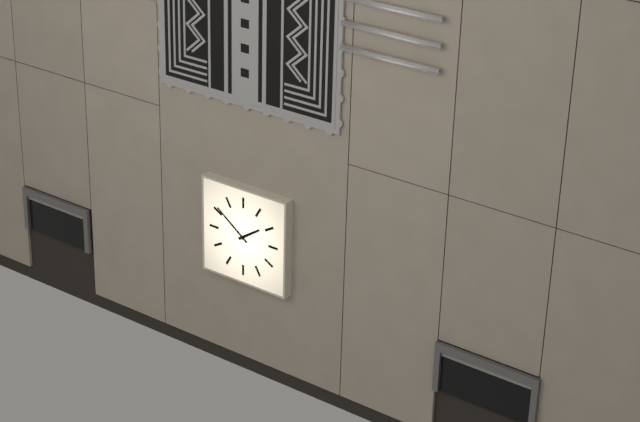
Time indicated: 1:51
